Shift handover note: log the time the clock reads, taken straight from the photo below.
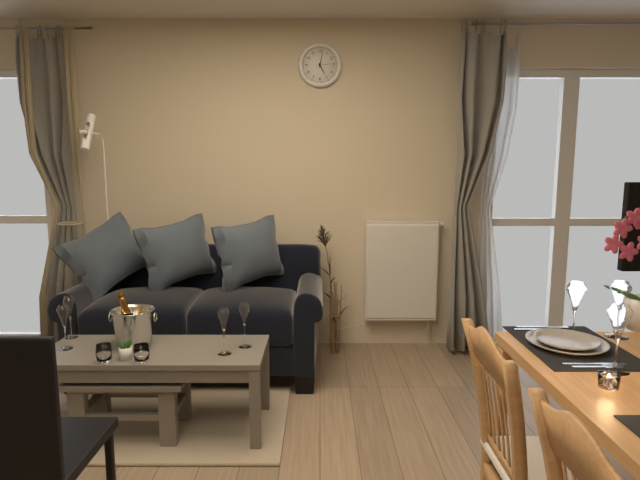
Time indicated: 5:02
